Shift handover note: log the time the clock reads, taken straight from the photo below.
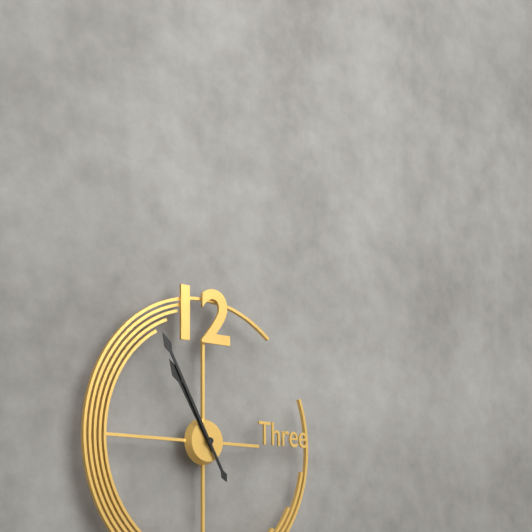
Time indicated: 10:55
